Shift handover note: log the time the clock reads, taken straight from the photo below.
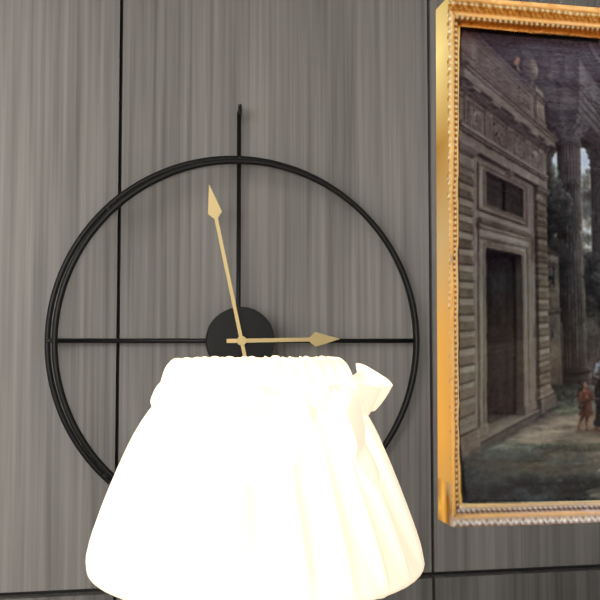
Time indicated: 2:58
